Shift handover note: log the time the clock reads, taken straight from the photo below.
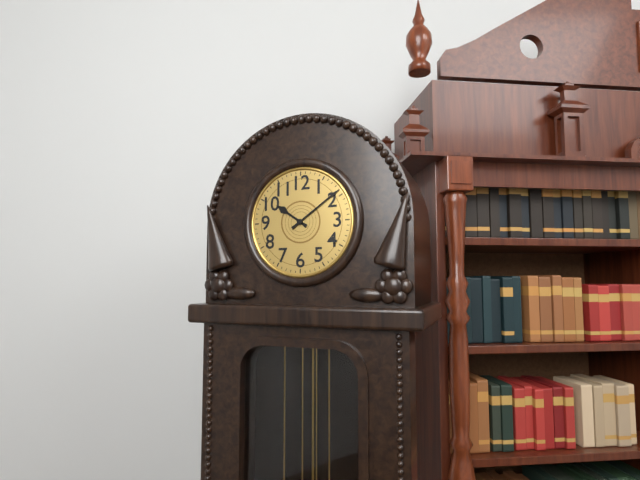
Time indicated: 10:09
